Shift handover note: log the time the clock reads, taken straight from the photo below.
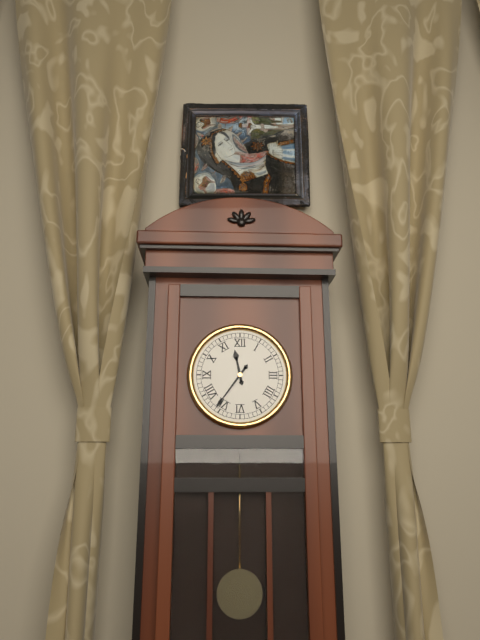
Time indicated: 11:36
